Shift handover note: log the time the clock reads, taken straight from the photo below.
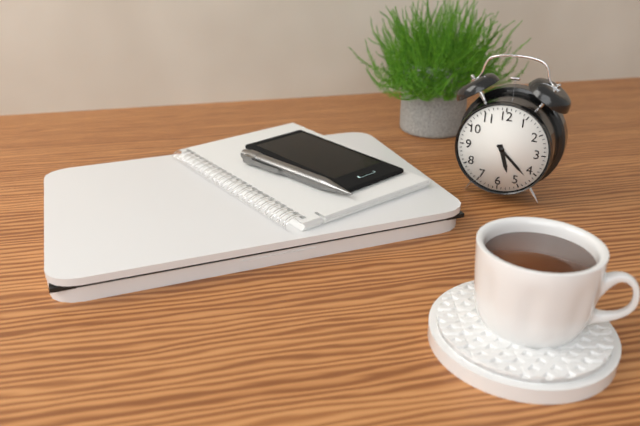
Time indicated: 5:22
